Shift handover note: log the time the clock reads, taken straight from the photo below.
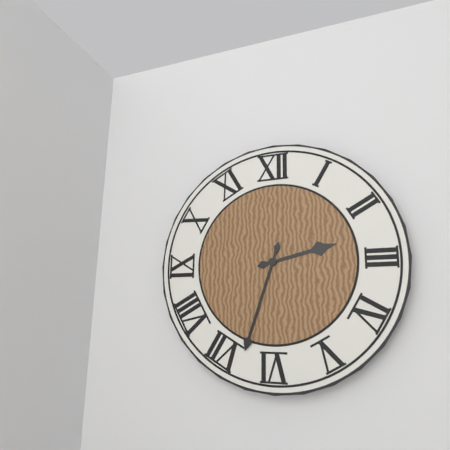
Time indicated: 2:33
